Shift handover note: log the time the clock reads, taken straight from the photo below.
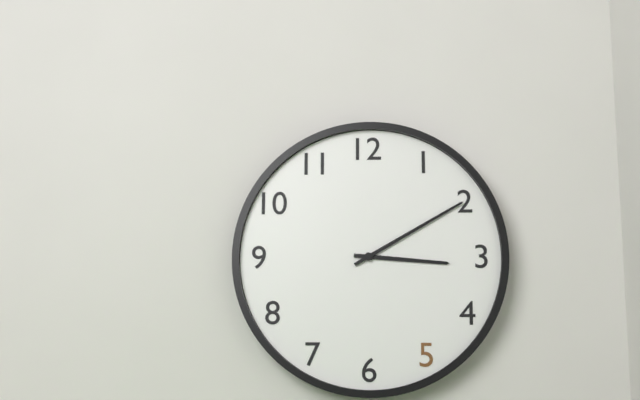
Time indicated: 3:10
